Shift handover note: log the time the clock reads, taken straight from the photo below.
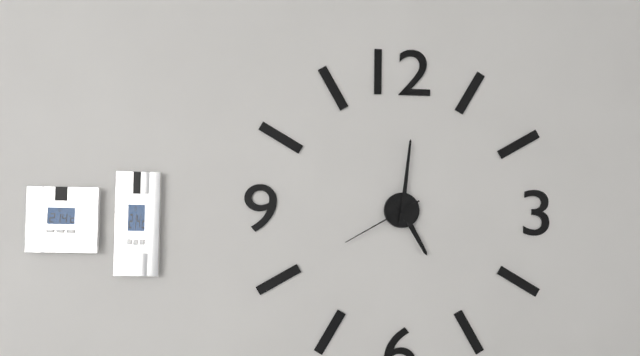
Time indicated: 5:01:40
